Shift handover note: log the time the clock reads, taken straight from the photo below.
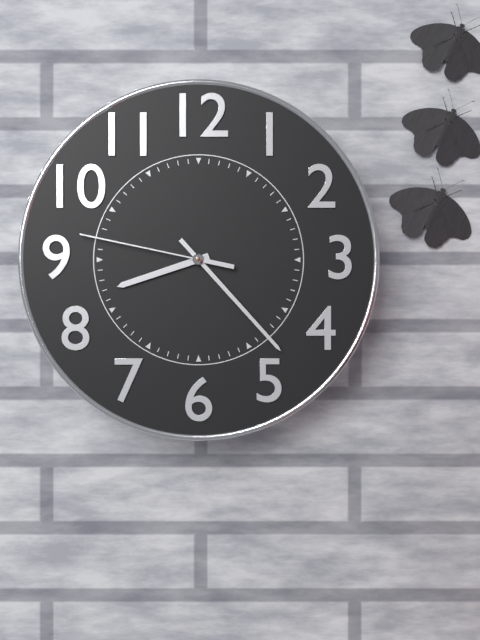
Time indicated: 8:23:47
